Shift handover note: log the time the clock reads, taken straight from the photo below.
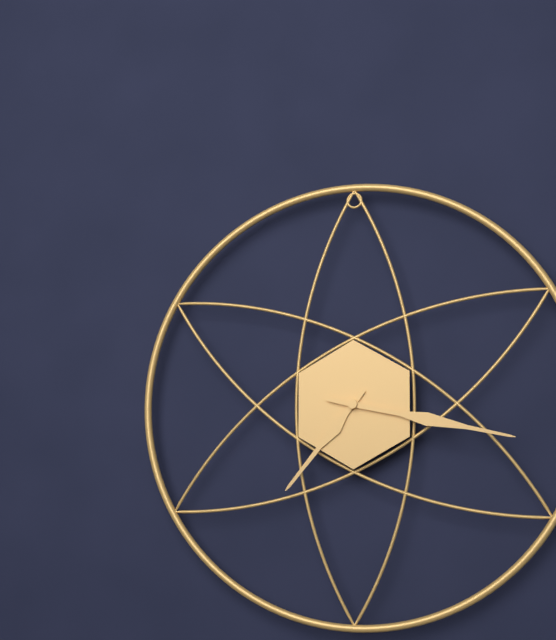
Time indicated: 7:17
